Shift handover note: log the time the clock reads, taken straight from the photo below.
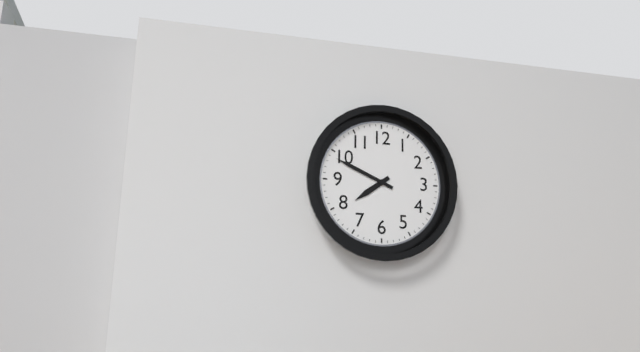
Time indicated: 7:49
